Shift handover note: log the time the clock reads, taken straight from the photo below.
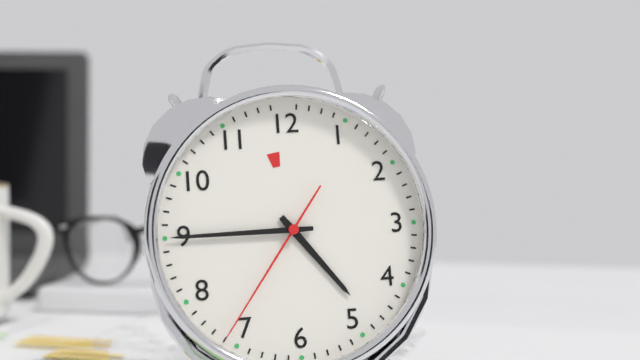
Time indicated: 4:45:36
